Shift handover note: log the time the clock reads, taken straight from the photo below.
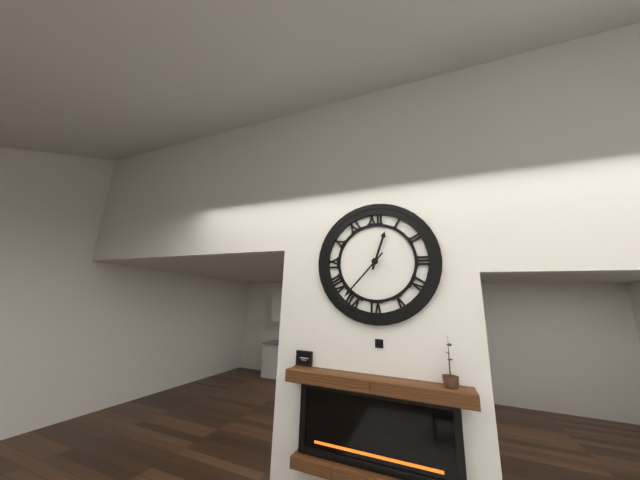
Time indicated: 12:37
